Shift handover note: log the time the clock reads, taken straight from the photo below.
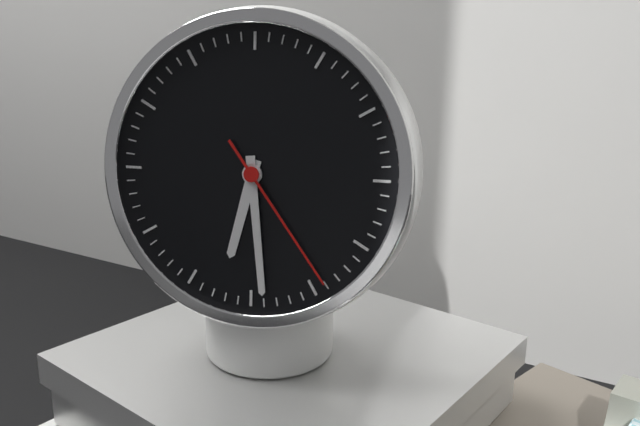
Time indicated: 6:29:24
